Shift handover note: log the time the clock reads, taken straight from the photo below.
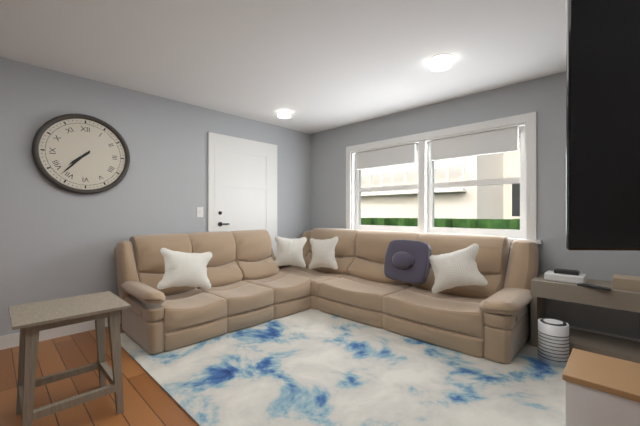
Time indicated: 7:37
